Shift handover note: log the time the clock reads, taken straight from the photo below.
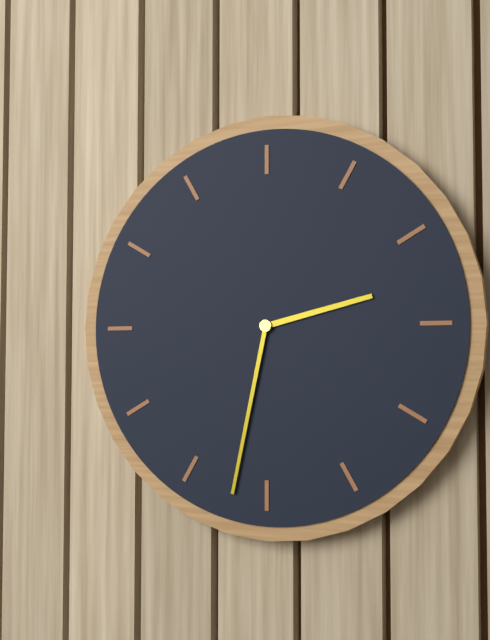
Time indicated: 2:32
